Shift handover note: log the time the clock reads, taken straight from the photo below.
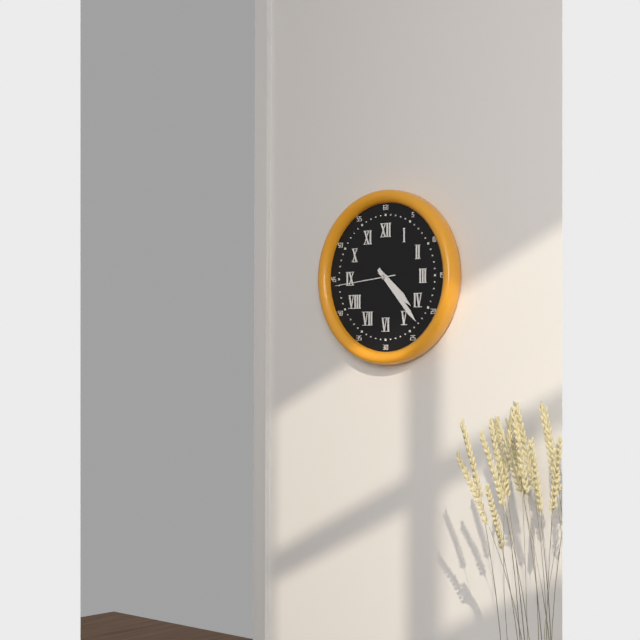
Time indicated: 4:23:44
